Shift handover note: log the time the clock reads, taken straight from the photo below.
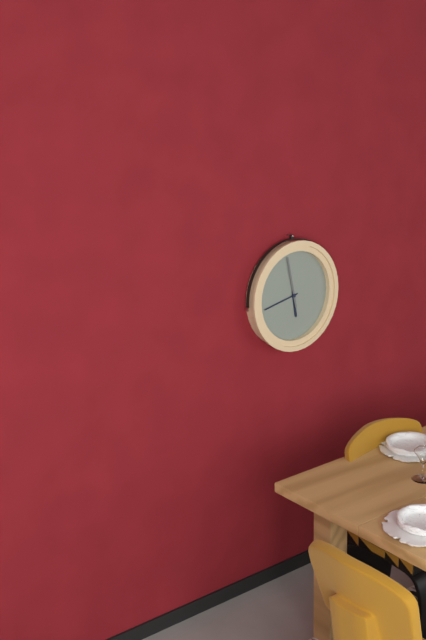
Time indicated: 5:43
